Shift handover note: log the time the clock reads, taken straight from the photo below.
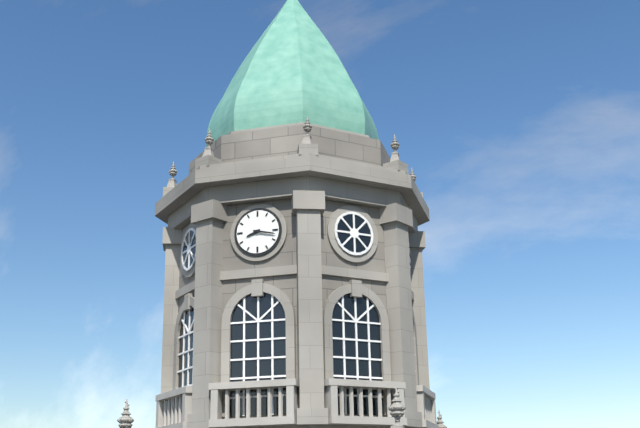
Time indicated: 8:17
